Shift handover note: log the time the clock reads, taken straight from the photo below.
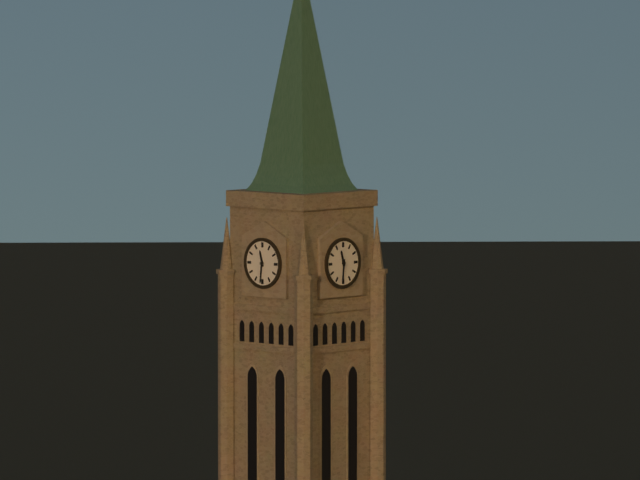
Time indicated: 11:31
